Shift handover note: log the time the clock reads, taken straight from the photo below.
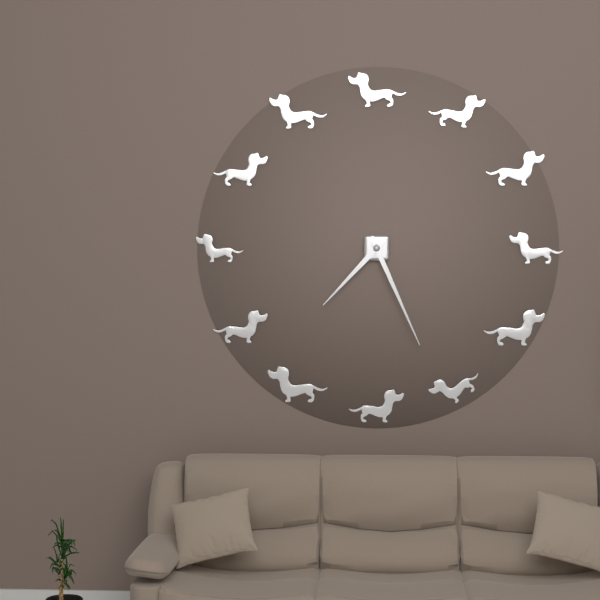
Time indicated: 7:26
